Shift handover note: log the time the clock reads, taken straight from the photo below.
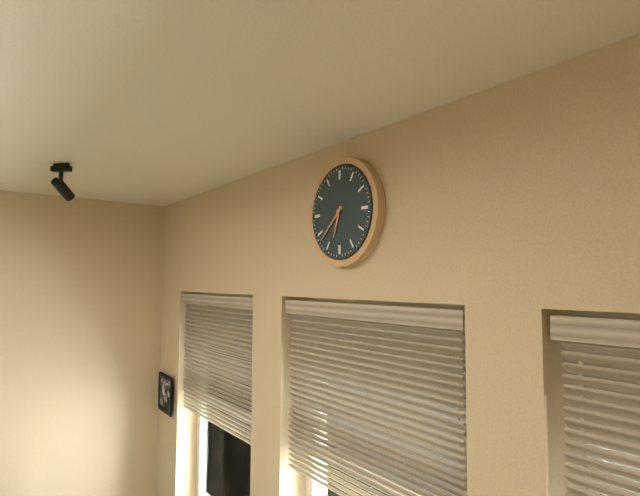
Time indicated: 6:38
